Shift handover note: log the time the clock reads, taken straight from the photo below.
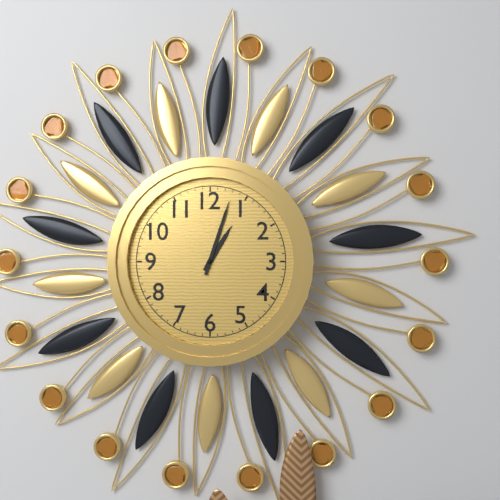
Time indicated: 1:03
